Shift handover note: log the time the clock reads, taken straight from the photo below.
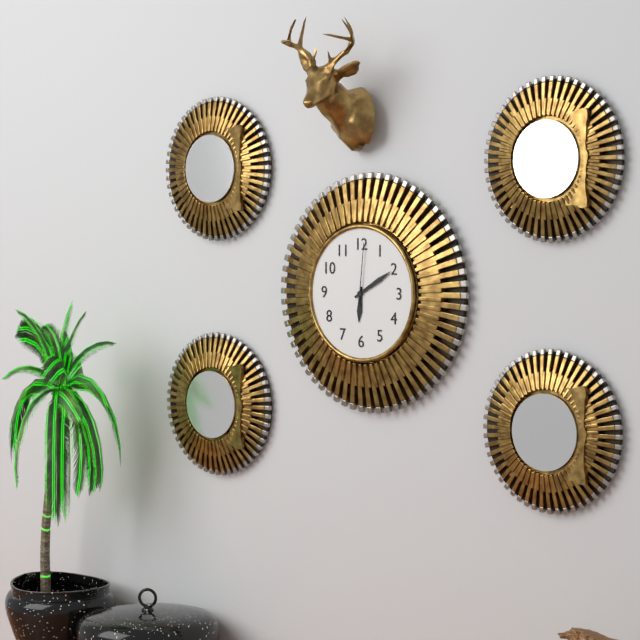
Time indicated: 6:10:01
